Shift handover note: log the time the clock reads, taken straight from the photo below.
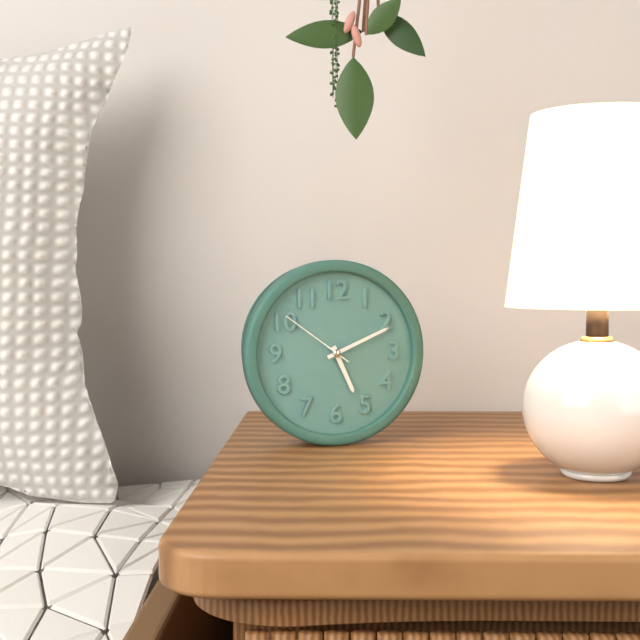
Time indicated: 5:11:51
